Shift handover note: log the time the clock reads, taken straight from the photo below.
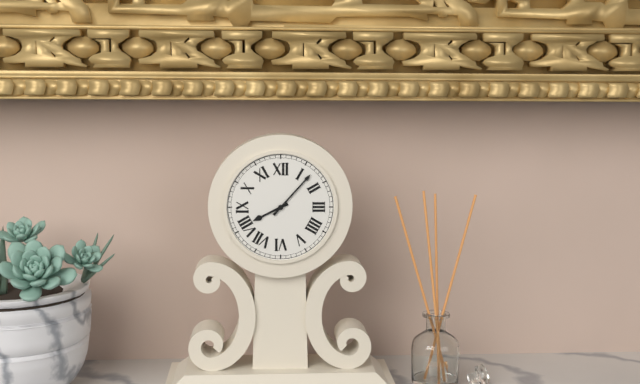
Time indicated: 8:07
